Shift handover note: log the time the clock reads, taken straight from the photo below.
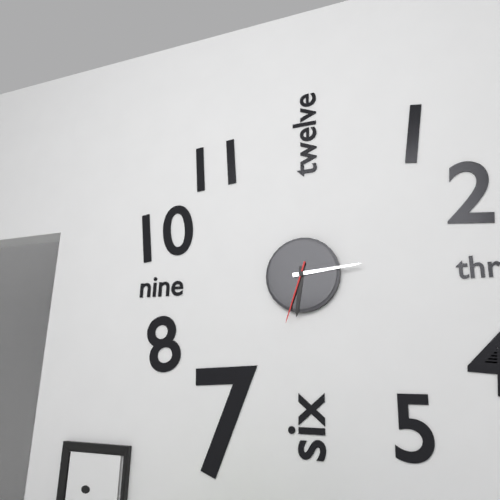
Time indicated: 6:14:33
